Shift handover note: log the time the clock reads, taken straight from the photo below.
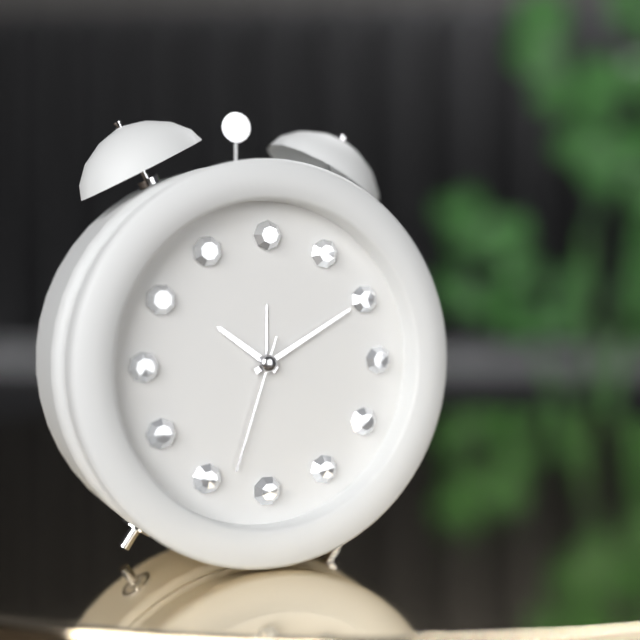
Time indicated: 10:10:33
